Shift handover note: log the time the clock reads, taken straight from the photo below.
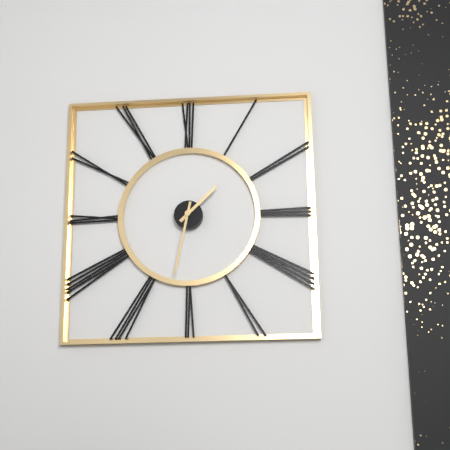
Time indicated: 1:32
